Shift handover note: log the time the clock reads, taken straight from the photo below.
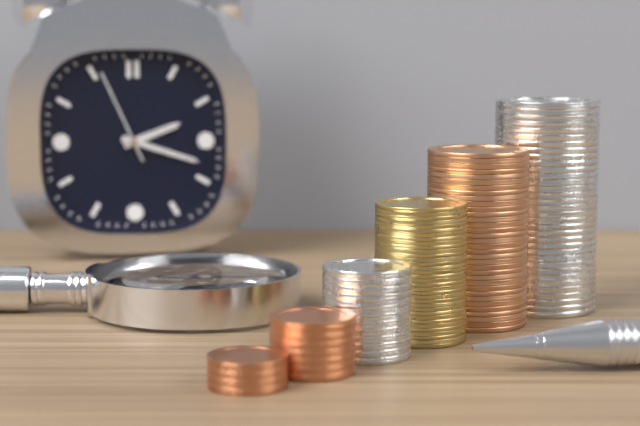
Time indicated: 2:18:56
